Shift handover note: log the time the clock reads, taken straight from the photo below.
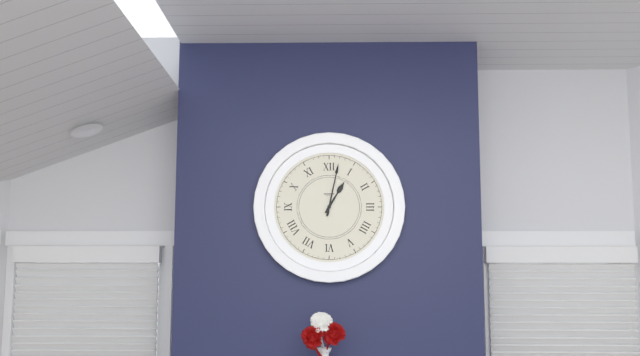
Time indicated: 1:02
